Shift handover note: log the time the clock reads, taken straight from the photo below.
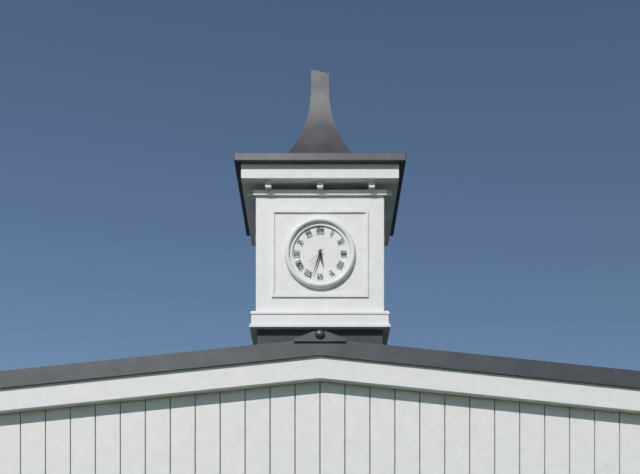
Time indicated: 5:33
